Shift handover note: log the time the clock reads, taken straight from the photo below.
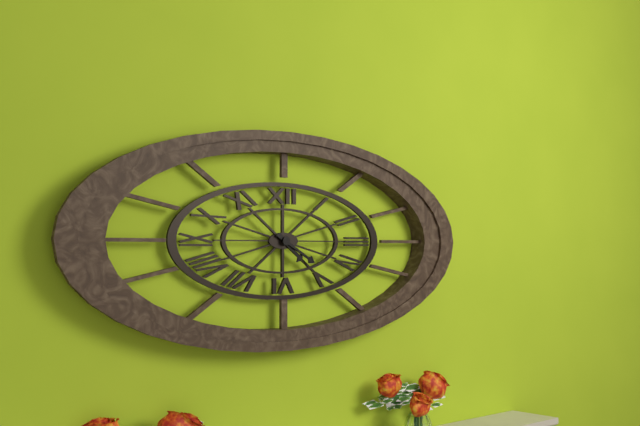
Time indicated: 4:20
